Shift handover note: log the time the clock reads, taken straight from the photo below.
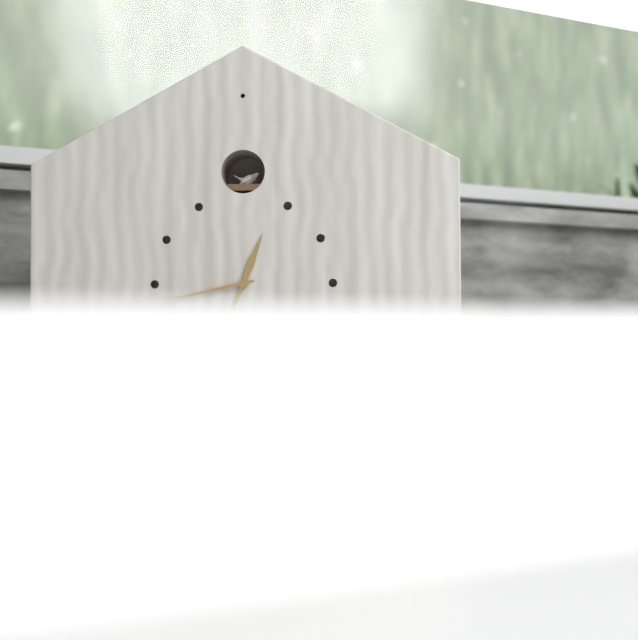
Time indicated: 12:43
